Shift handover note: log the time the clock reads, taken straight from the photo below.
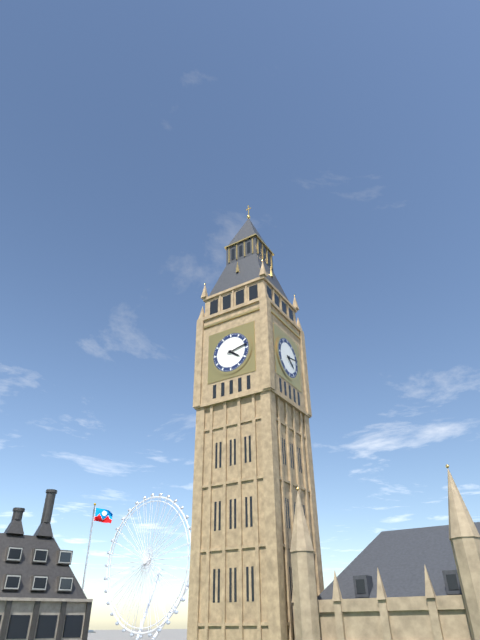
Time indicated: 4:13
